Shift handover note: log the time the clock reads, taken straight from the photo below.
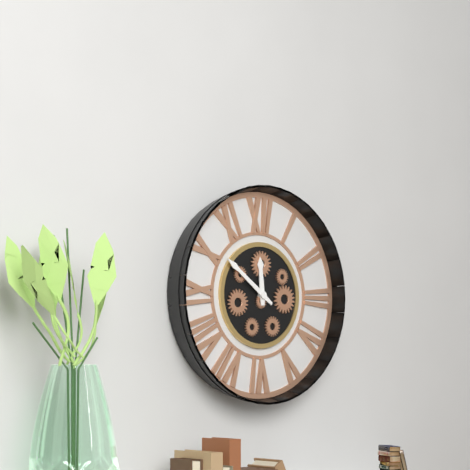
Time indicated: 11:51
